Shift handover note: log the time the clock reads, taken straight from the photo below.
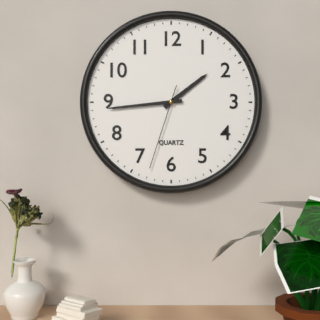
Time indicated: 1:44:33
